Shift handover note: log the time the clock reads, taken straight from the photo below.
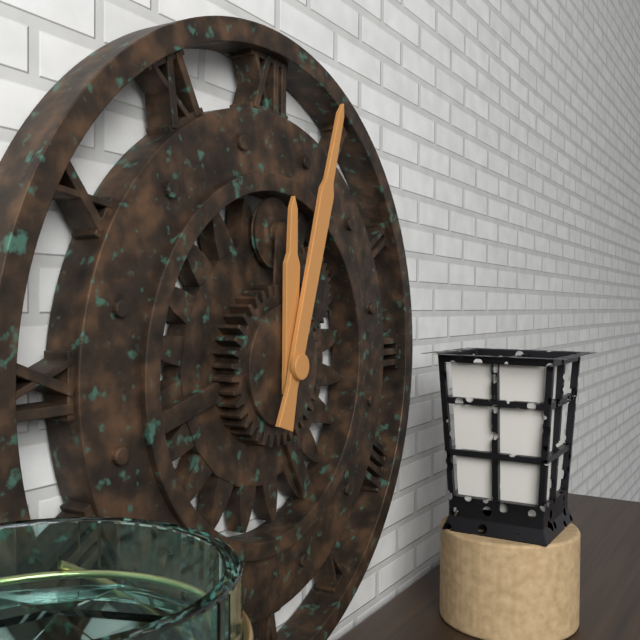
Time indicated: 12:03
